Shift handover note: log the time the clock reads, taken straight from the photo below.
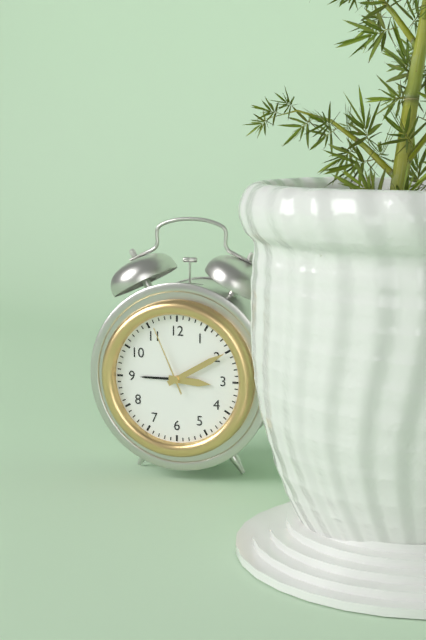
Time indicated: 3:10:56
